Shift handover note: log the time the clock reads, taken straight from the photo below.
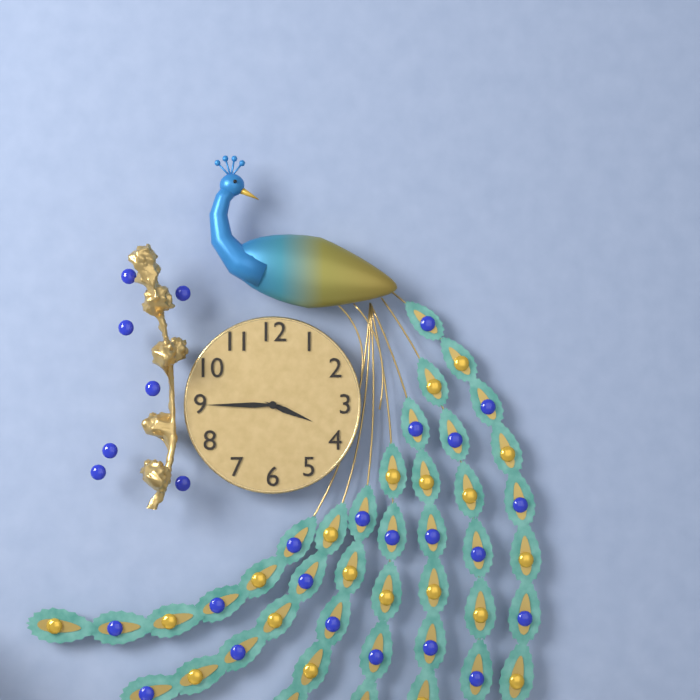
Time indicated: 3:45
